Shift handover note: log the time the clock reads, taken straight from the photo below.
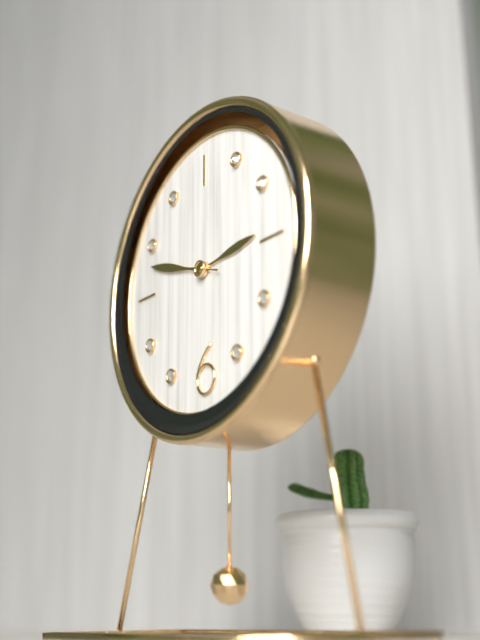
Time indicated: 2:48:48
